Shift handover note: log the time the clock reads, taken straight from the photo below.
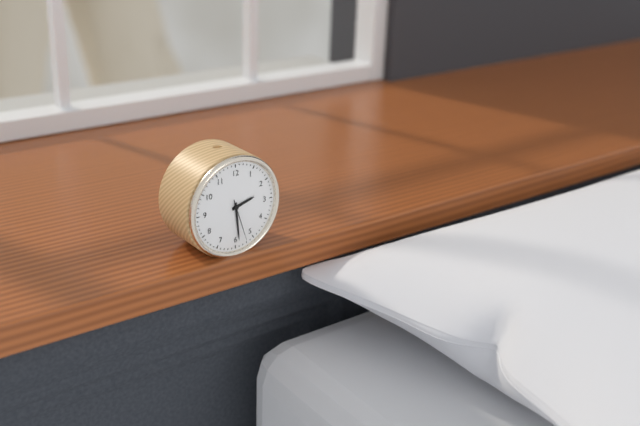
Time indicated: 2:29
